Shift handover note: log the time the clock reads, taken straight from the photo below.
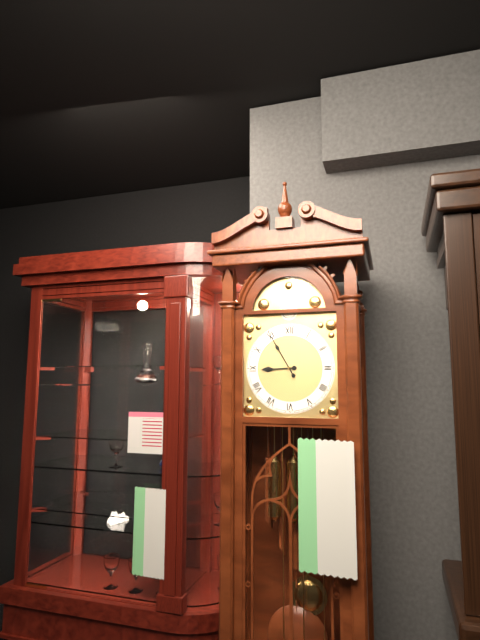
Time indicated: 8:55
